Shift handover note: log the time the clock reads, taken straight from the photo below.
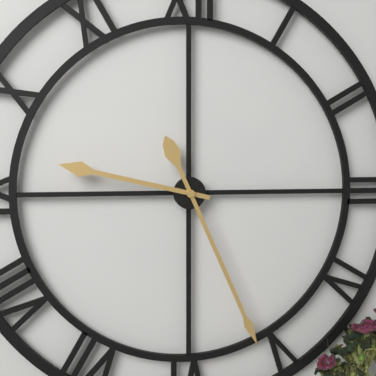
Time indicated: 9:26
